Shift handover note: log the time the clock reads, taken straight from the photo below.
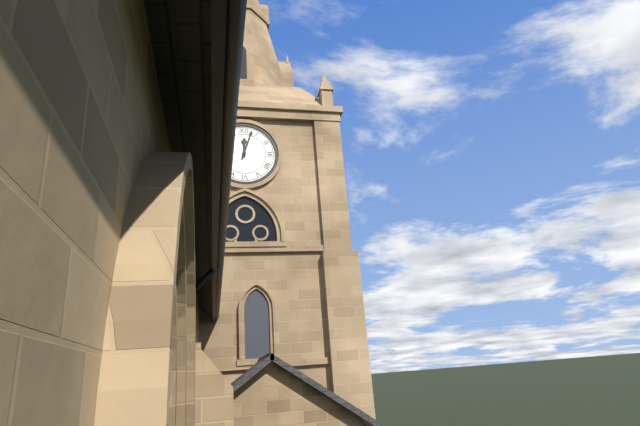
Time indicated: 12:03
